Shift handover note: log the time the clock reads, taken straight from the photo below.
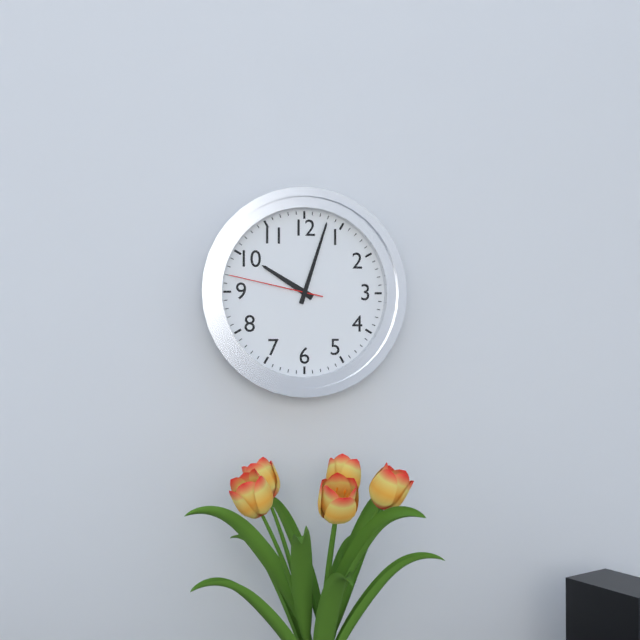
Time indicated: 10:03:47
